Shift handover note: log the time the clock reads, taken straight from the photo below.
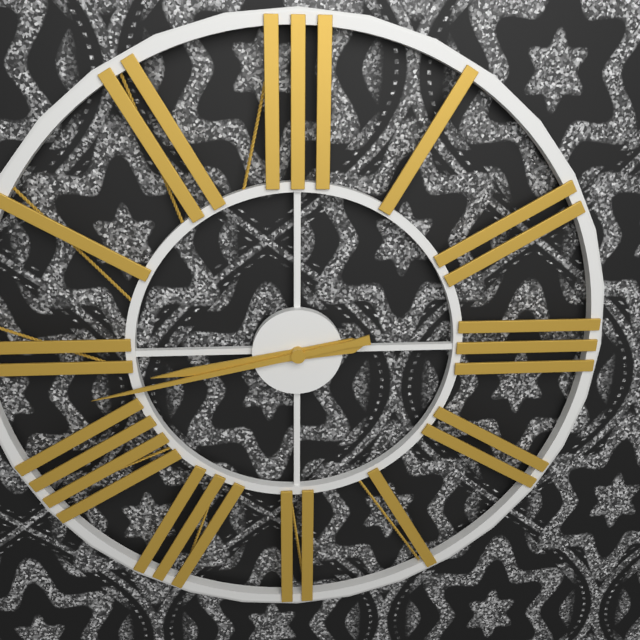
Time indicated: 8:43
